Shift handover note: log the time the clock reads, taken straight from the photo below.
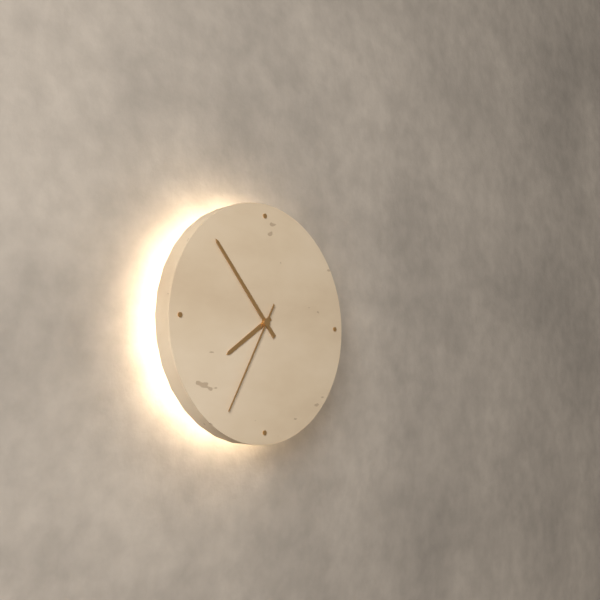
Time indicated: 7:53:35
